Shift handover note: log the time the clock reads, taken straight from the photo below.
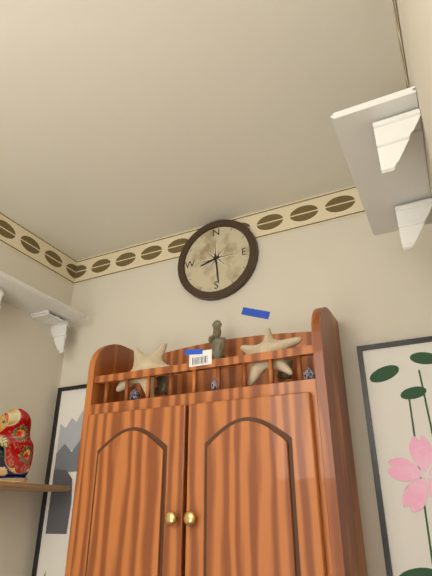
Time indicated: 8:29
